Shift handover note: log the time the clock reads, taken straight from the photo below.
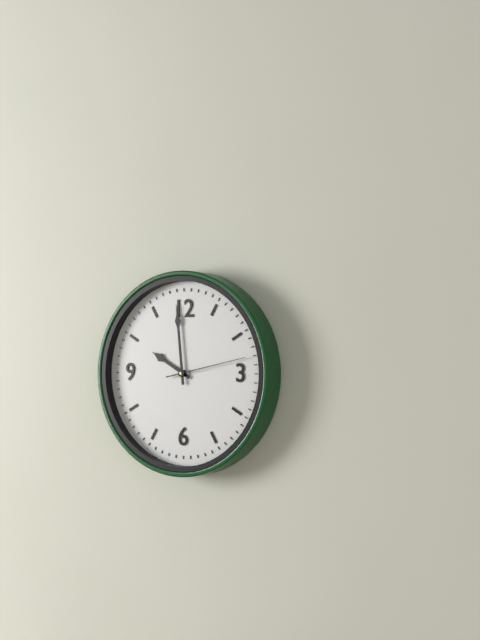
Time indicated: 9:59:13
